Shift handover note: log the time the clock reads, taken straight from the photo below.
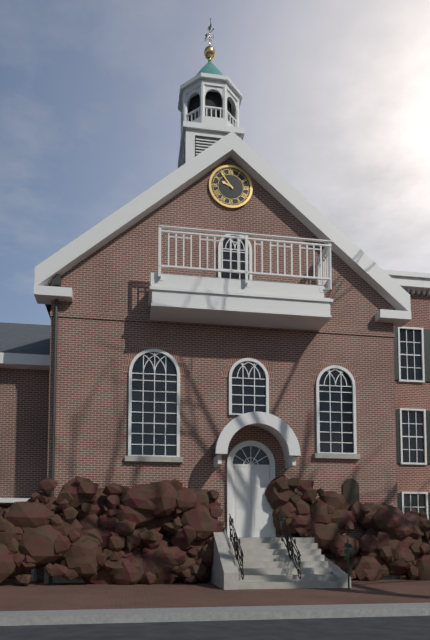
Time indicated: 9:54
